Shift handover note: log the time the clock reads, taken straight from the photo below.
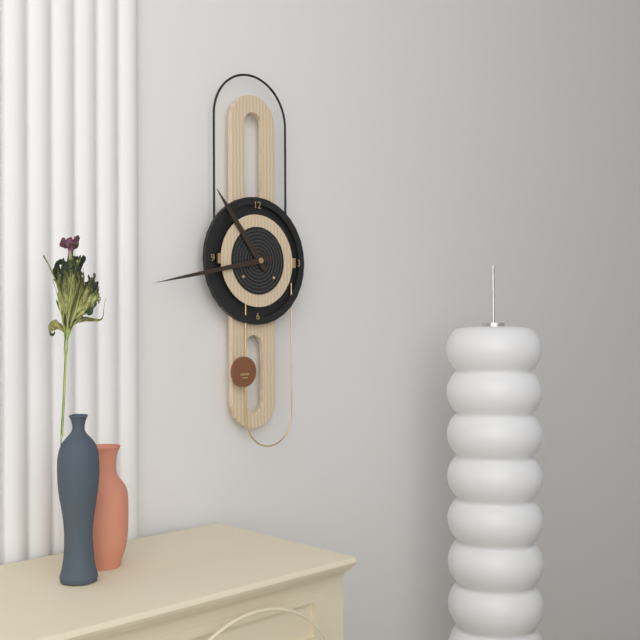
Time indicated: 10:43
